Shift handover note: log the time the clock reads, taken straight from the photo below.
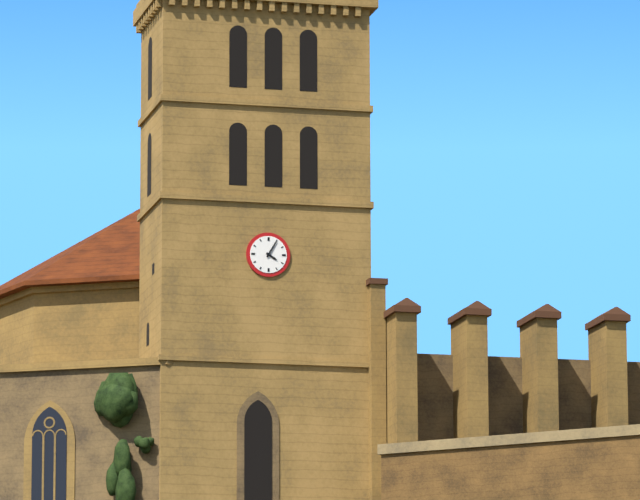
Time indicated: 4:05
